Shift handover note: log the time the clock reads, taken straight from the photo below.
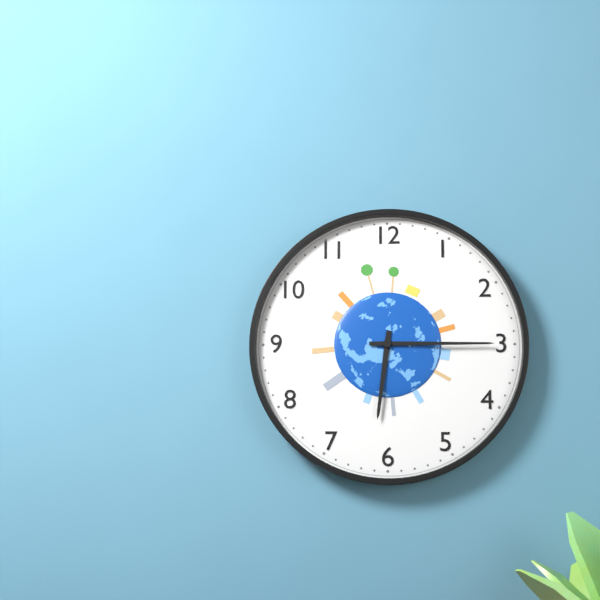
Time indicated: 6:15
